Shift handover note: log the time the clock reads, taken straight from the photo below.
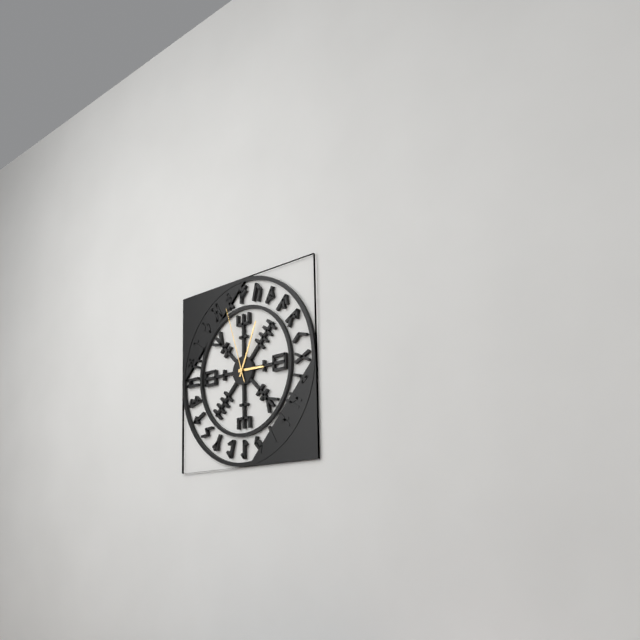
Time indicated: 3:04:57
